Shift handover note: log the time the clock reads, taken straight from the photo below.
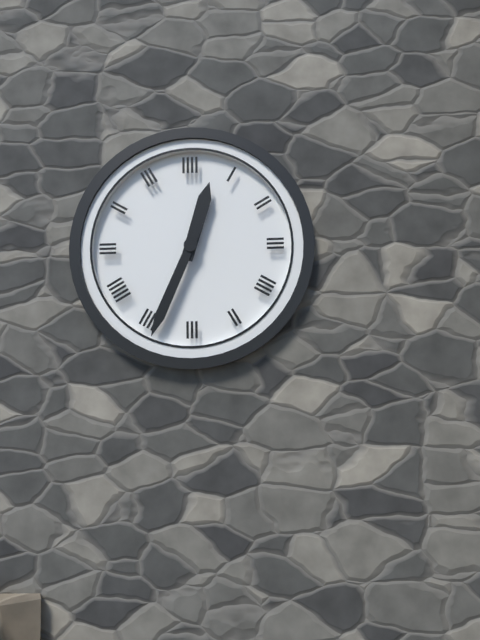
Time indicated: 12:34
